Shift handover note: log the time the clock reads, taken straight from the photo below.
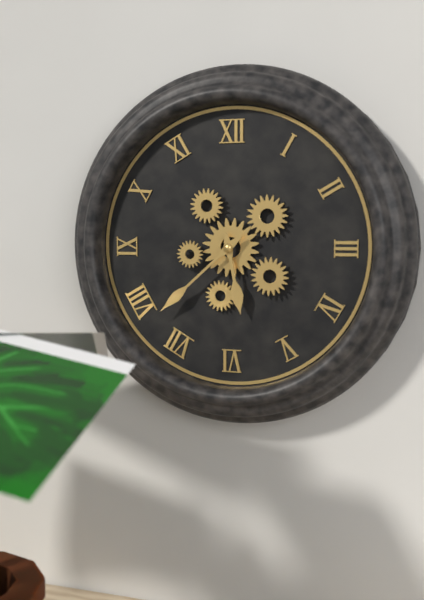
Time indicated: 5:38
